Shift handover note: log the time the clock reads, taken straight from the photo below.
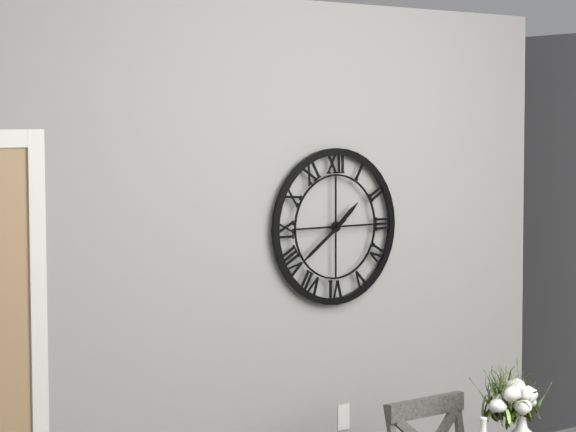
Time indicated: 1:39
